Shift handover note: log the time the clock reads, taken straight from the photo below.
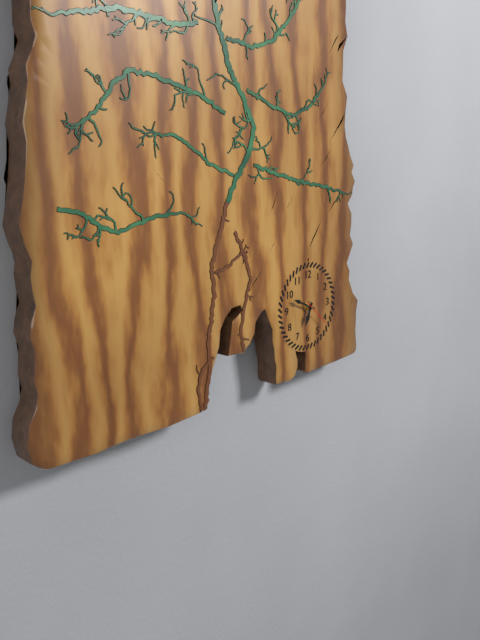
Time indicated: 6:49
